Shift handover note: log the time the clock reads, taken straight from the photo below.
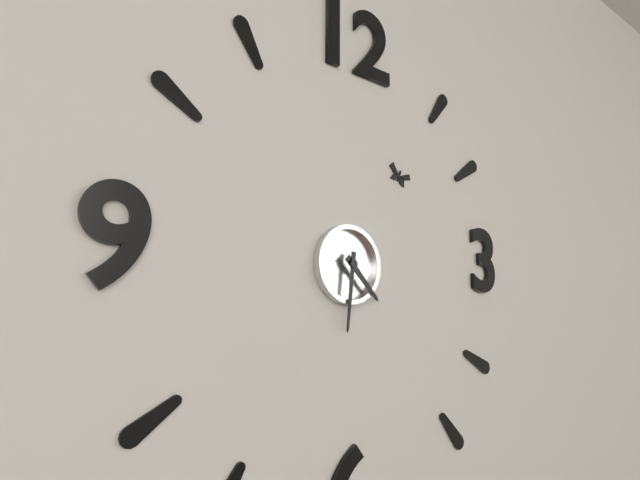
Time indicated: 4:31
